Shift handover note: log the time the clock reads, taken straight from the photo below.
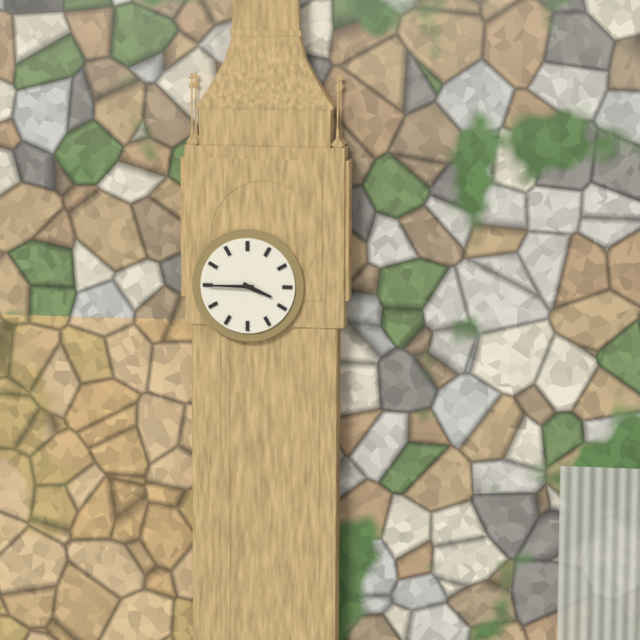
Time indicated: 3:45
